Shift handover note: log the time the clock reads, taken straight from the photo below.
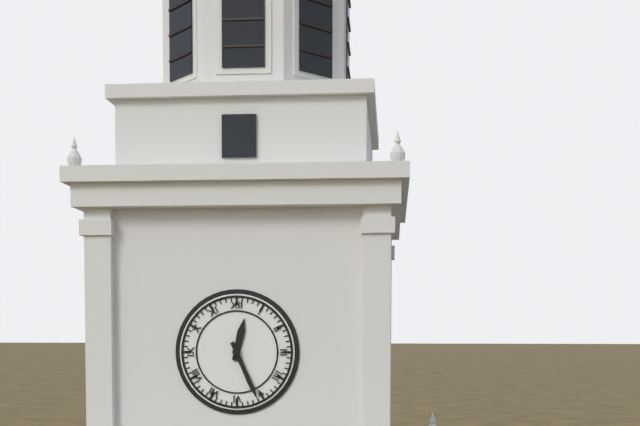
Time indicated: 12:26
